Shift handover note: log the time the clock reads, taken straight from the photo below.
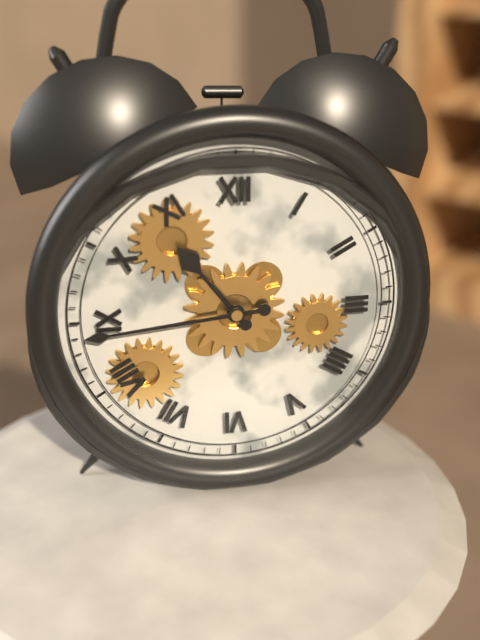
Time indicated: 10:44
